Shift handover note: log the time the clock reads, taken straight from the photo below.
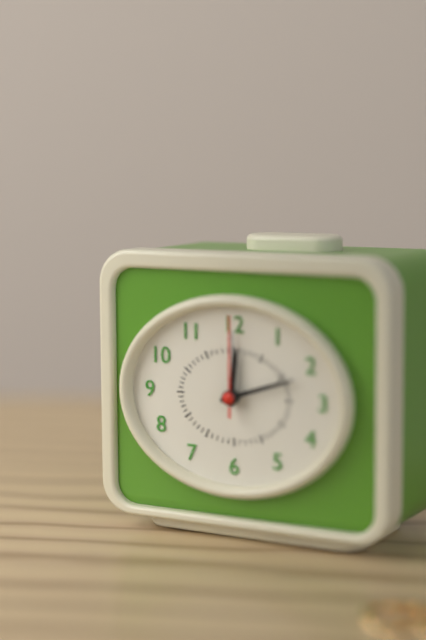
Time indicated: 12:12:00
